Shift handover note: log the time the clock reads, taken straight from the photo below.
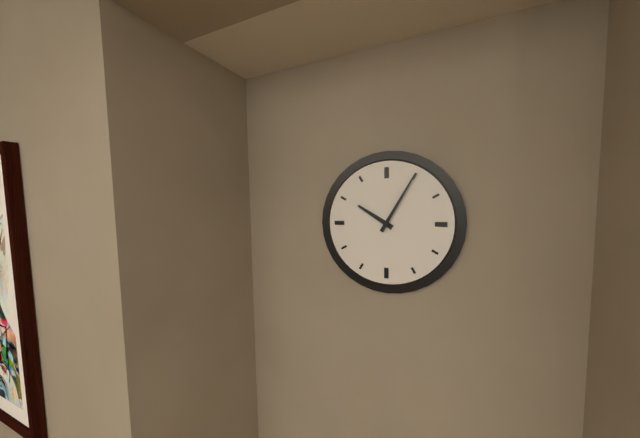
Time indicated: 10:05
